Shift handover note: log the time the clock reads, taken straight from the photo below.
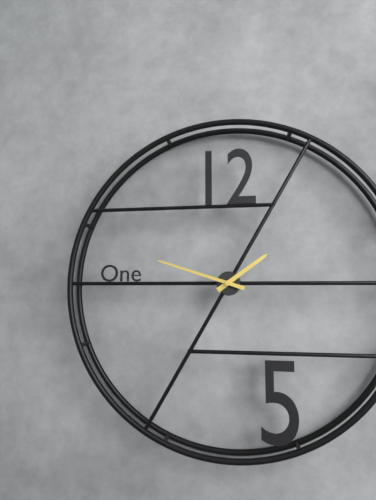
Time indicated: 1:48
